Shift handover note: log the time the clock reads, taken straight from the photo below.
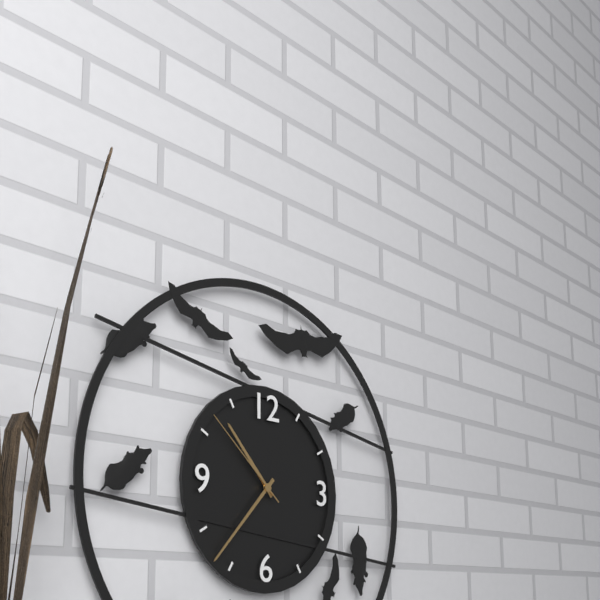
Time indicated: 10:37:52
